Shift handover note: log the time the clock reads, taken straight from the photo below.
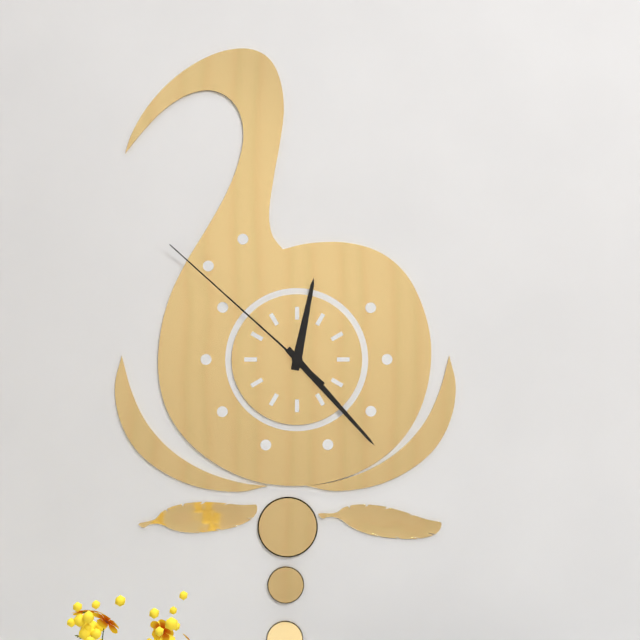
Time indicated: 12:23:52
